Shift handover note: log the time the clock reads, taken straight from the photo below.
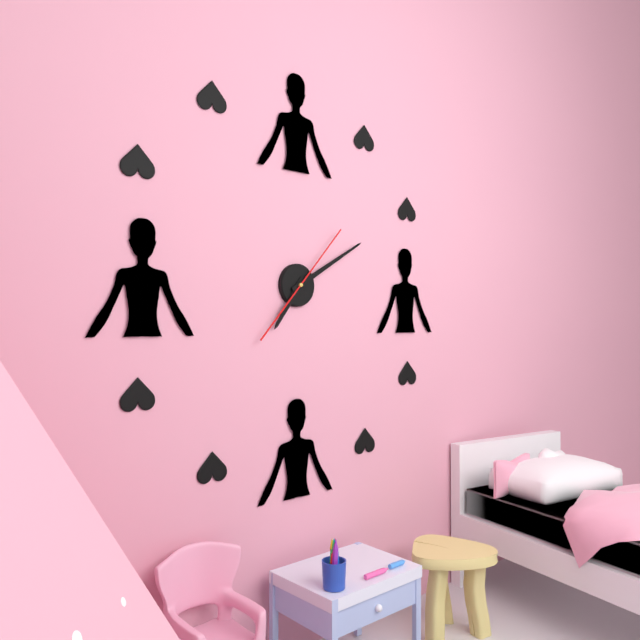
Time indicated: 7:10:07
